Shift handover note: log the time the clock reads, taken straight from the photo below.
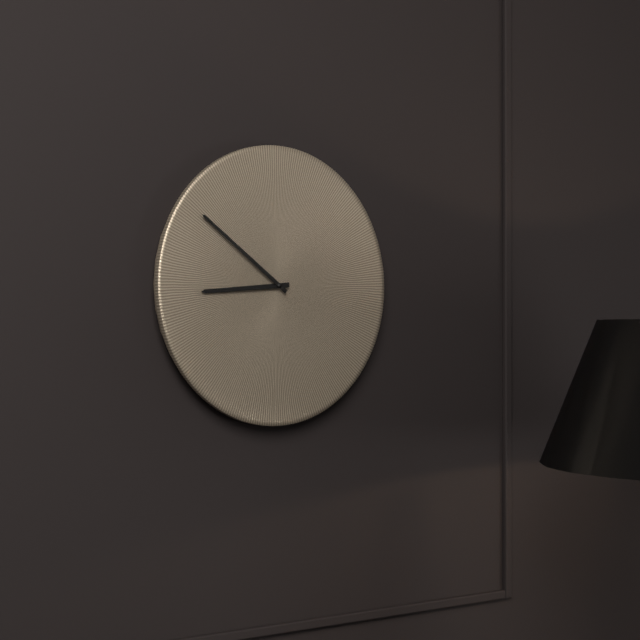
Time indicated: 8:51
